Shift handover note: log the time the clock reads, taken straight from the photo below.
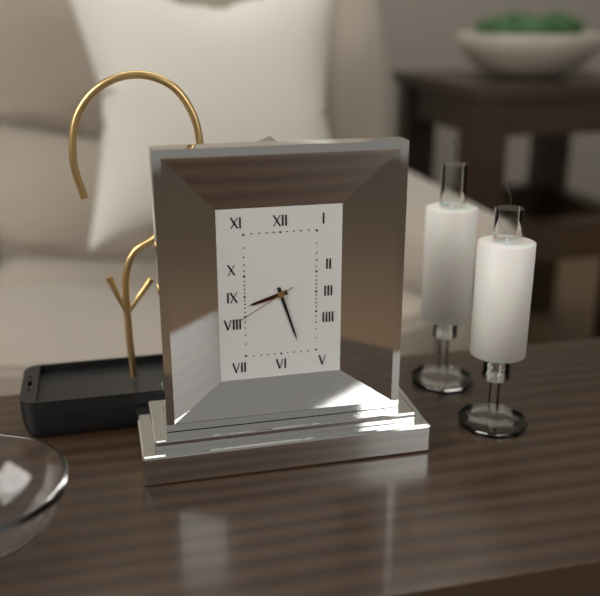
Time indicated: 8:27:40
